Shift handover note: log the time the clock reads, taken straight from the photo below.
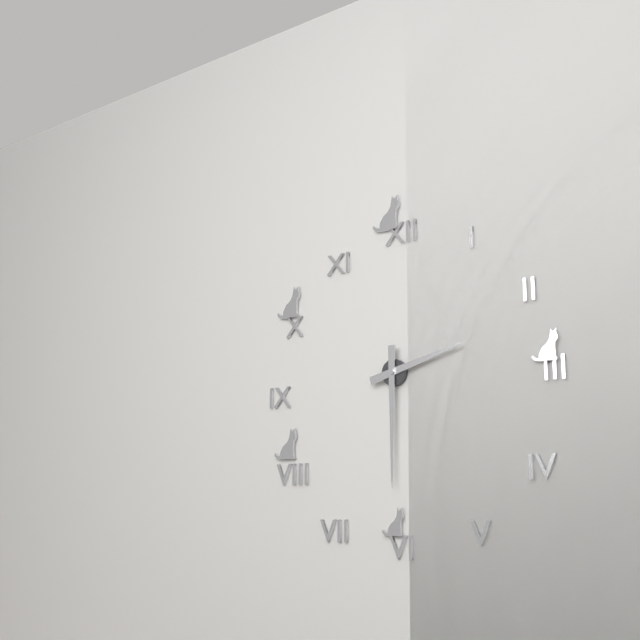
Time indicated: 2:30
